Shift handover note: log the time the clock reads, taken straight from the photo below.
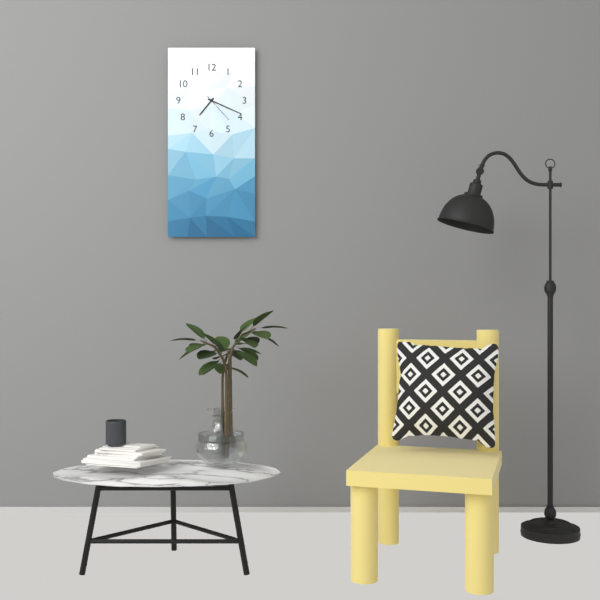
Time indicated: 7:19
